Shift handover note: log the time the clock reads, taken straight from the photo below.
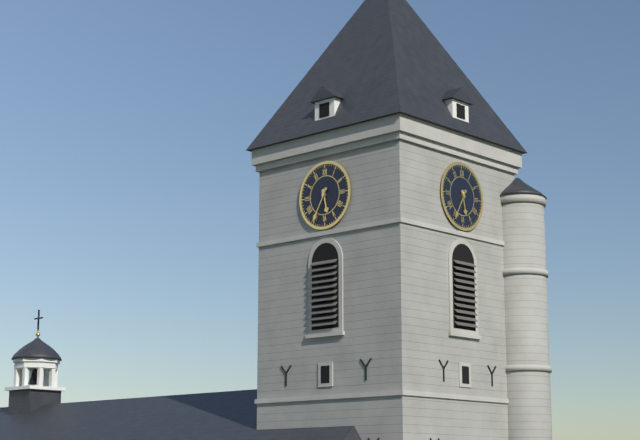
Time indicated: 5:35
